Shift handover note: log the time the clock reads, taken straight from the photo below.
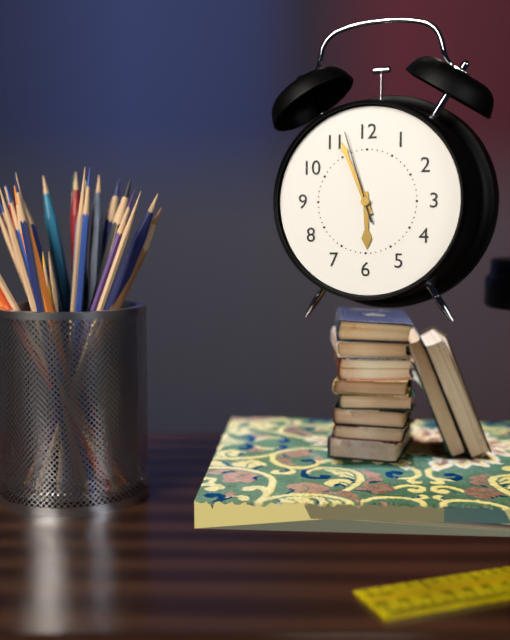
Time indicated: 5:56:57
